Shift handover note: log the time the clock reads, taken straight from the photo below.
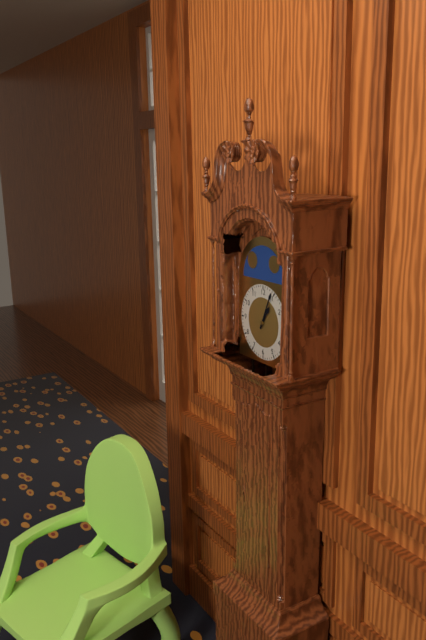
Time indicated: 1:04
